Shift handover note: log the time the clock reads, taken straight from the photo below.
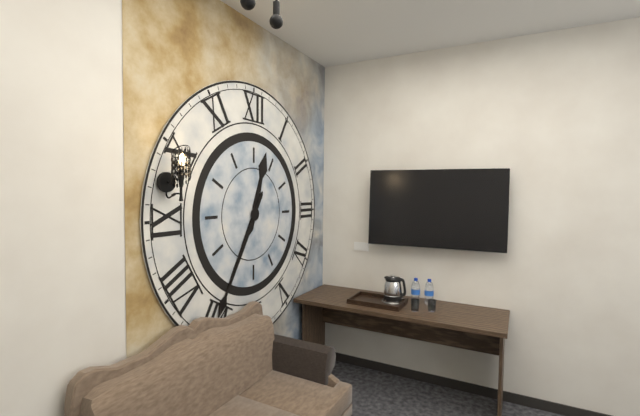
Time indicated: 12:35
